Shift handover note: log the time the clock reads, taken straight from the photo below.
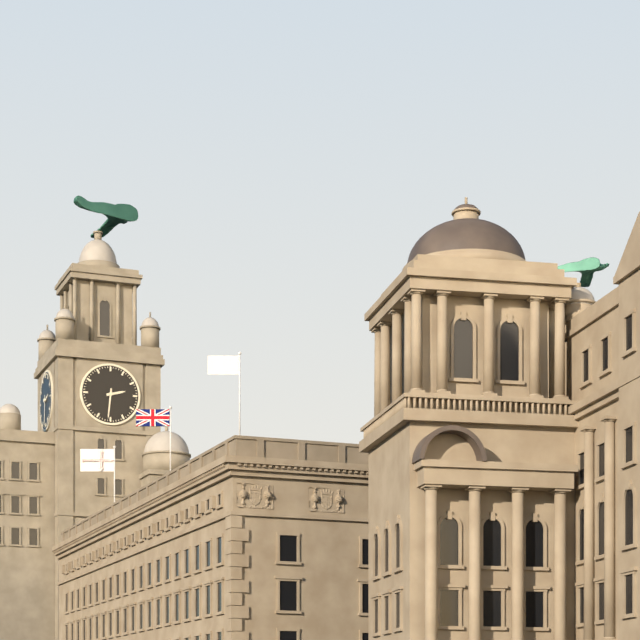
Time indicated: 2:31
